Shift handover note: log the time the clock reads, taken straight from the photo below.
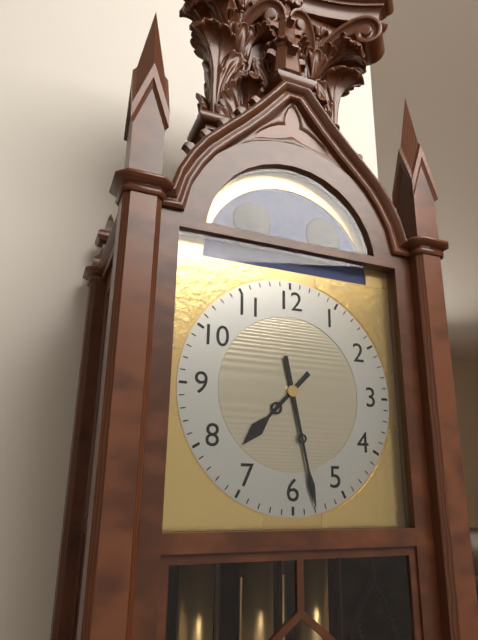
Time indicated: 7:28
